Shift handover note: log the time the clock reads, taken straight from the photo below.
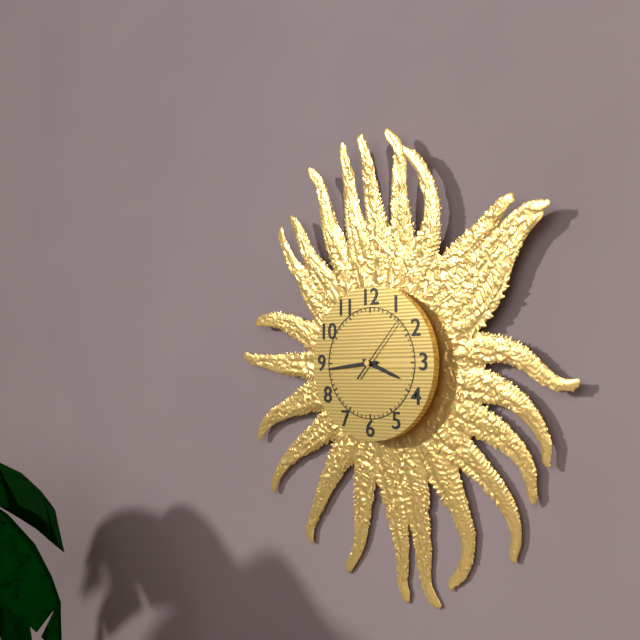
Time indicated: 3:44:07
